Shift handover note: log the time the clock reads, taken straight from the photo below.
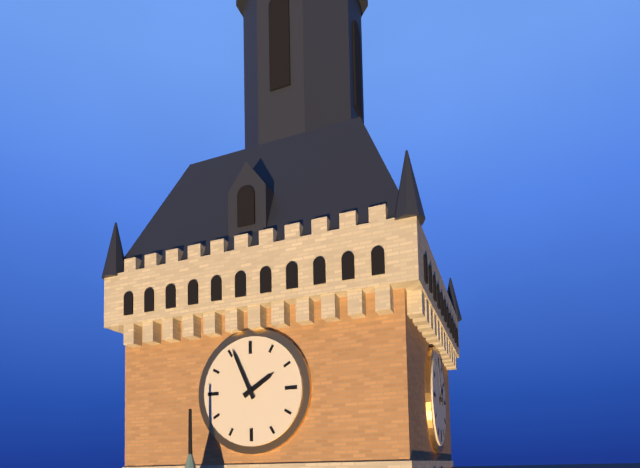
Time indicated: 1:56
